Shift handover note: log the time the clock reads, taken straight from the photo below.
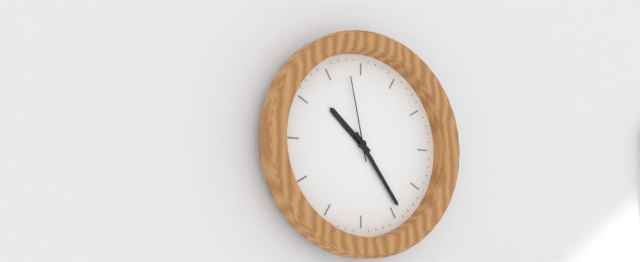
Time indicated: 10:24:58
